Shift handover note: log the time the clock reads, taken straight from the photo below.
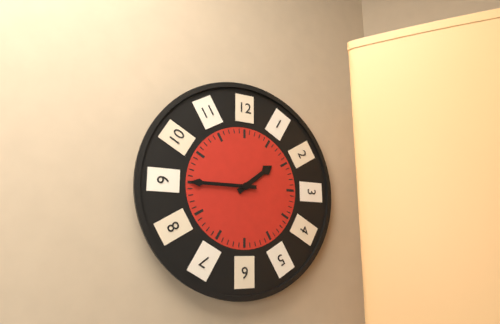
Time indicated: 1:45
